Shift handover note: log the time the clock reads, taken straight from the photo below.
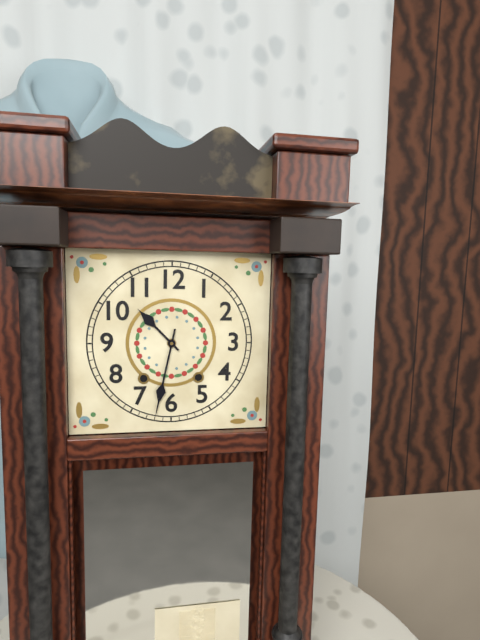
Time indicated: 10:32
